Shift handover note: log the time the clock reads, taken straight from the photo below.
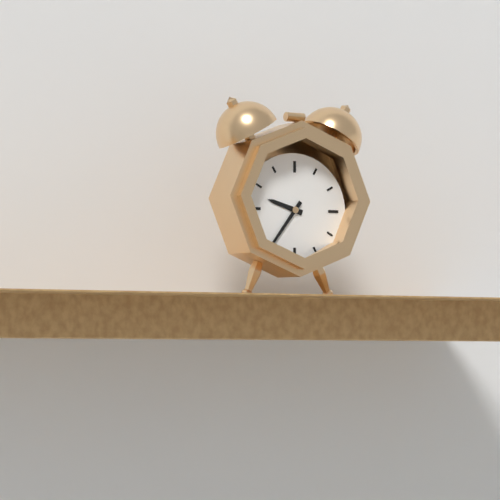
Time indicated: 9:36
